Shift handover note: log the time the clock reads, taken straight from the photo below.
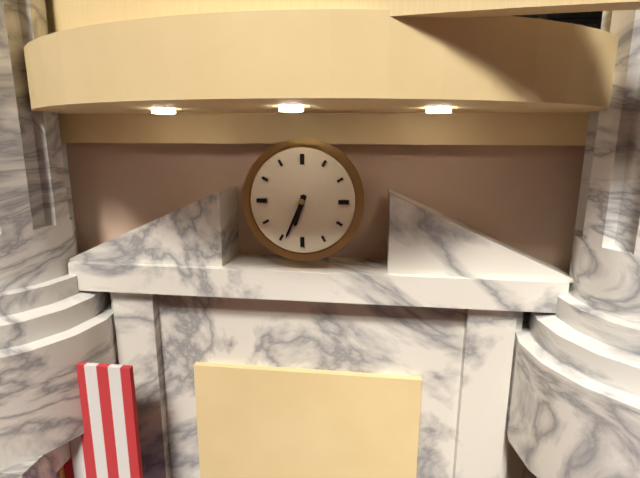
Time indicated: 6:34
